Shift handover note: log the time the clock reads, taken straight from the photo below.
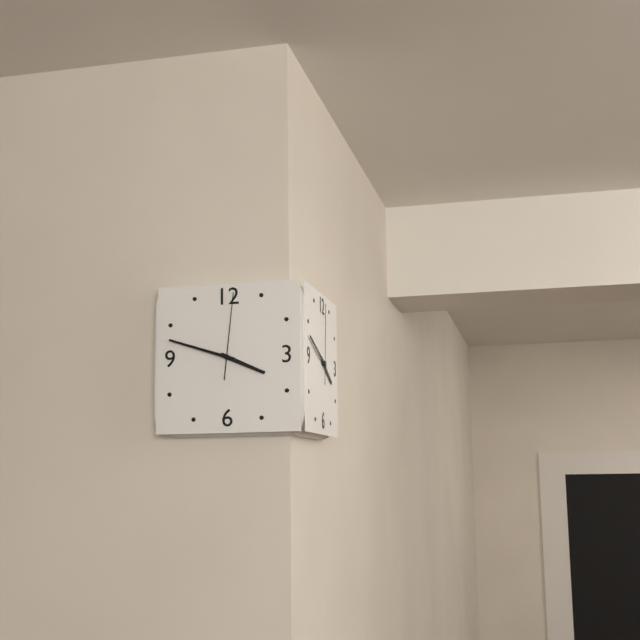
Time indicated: 3:48:01
